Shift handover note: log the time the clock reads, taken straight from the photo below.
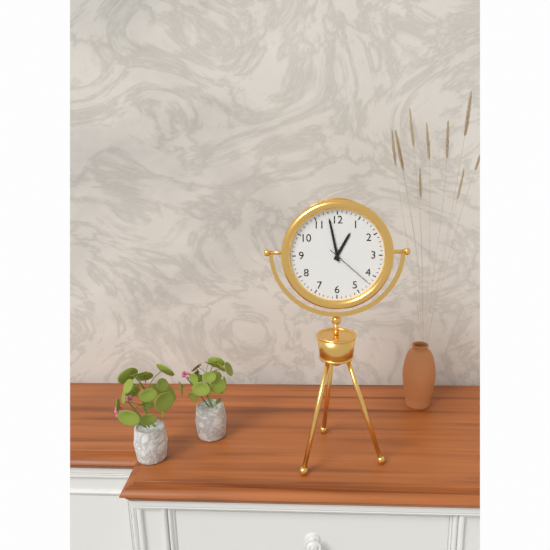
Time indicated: 12:58:22
